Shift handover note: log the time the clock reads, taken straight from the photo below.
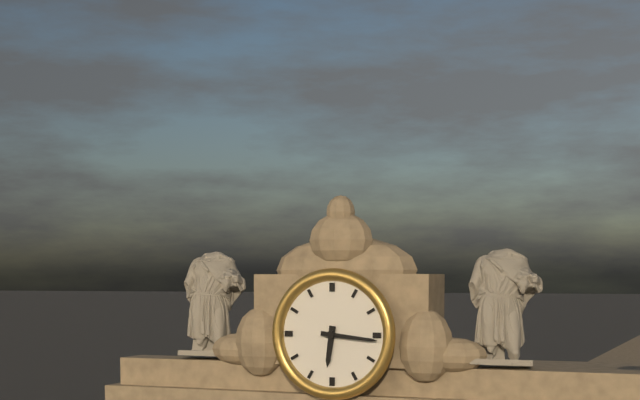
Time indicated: 6:16
